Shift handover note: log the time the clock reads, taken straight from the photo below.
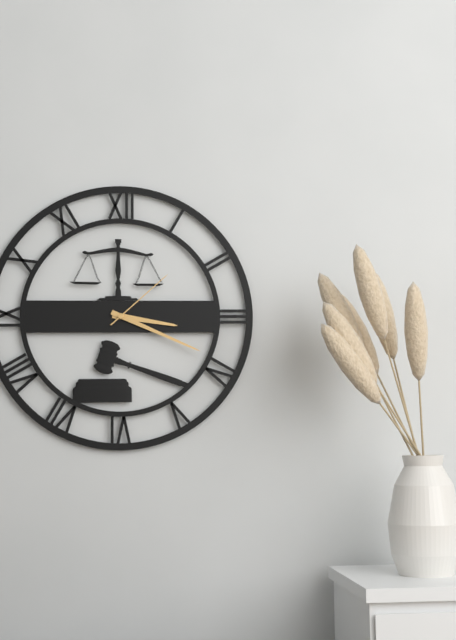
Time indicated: 3:19:08
